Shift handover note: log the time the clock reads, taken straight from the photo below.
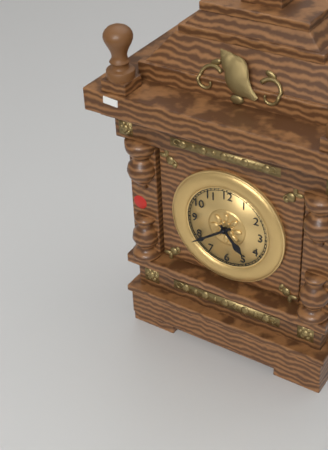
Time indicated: 4:39
